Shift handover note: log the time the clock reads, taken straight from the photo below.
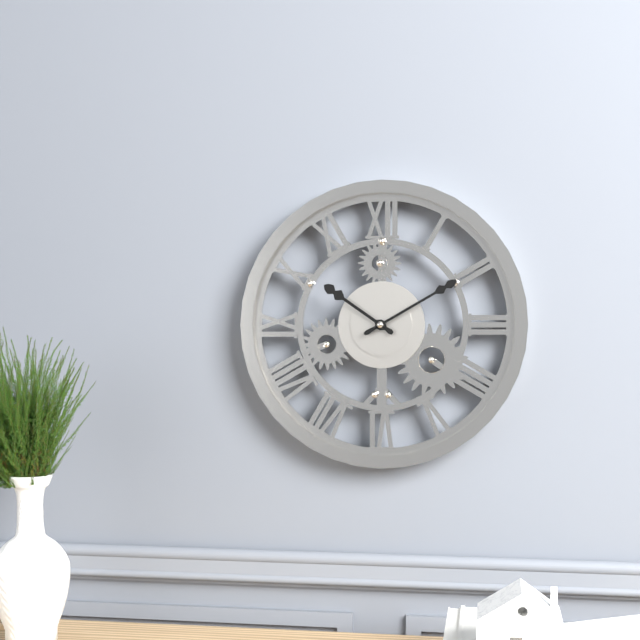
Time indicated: 10:10
